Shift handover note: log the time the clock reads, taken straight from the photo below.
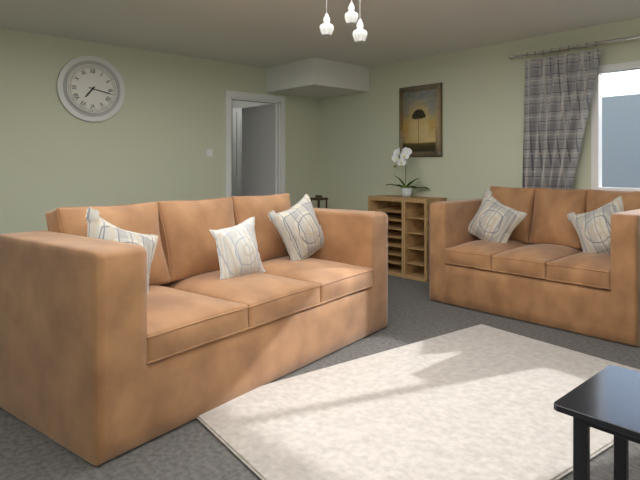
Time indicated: 7:17
